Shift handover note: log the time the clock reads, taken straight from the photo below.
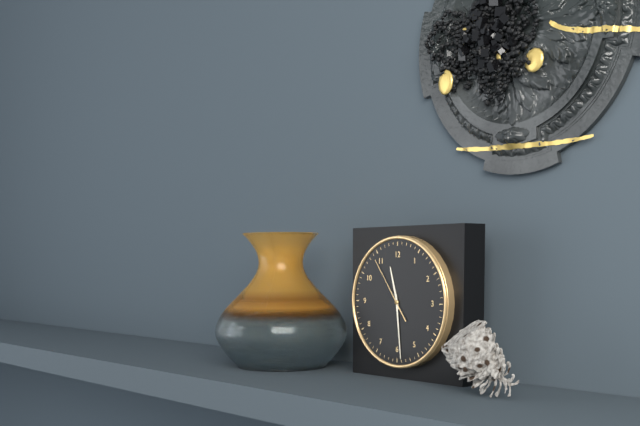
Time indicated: 11:29:54
